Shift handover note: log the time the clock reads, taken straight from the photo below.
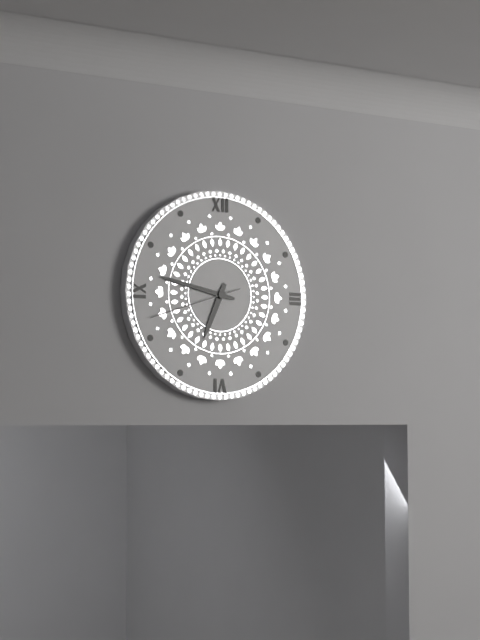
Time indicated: 6:47:42
